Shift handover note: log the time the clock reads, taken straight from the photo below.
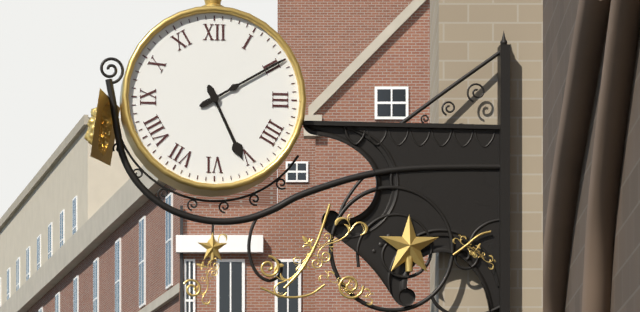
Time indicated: 5:10
